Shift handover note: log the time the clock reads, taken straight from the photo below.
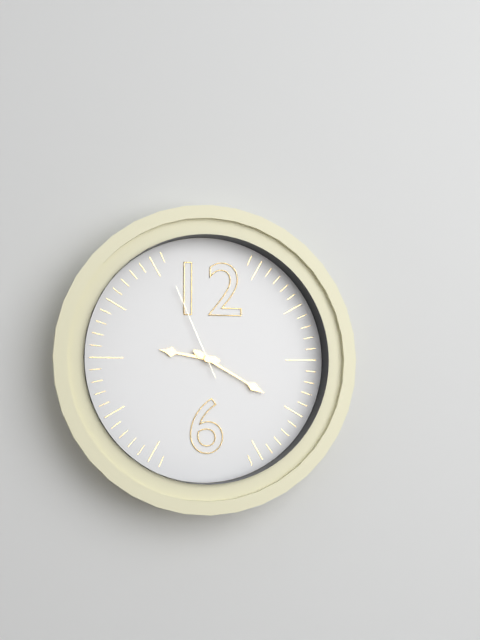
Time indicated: 9:20:56
